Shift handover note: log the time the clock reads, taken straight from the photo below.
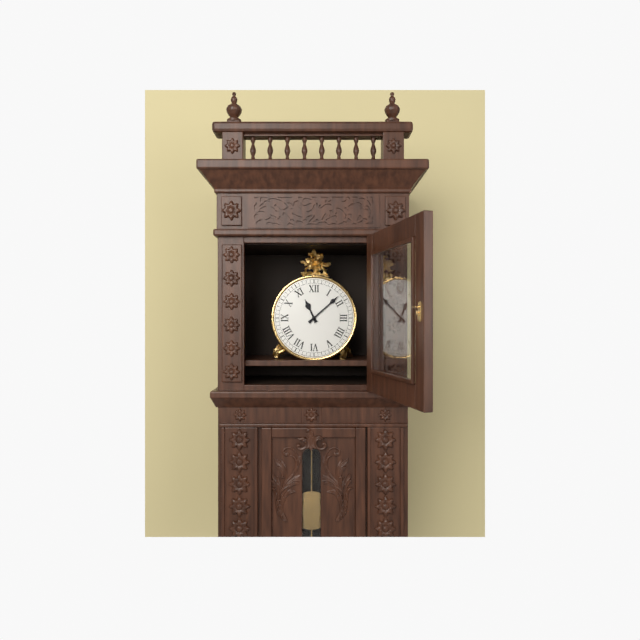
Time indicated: 11:08
